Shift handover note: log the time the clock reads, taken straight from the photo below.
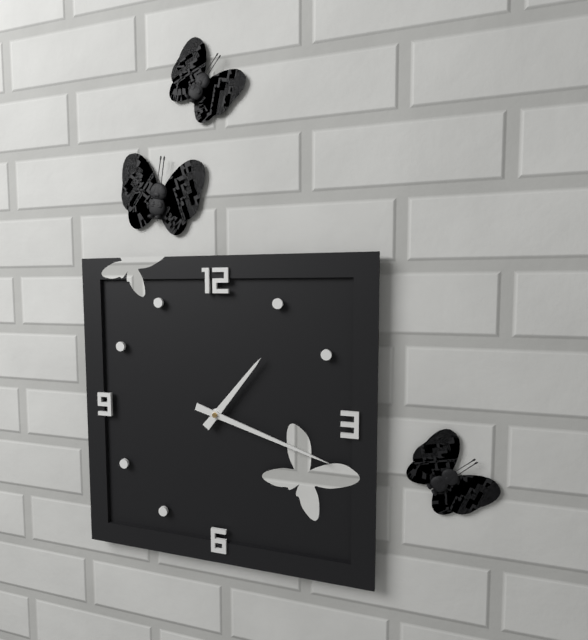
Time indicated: 1:18
